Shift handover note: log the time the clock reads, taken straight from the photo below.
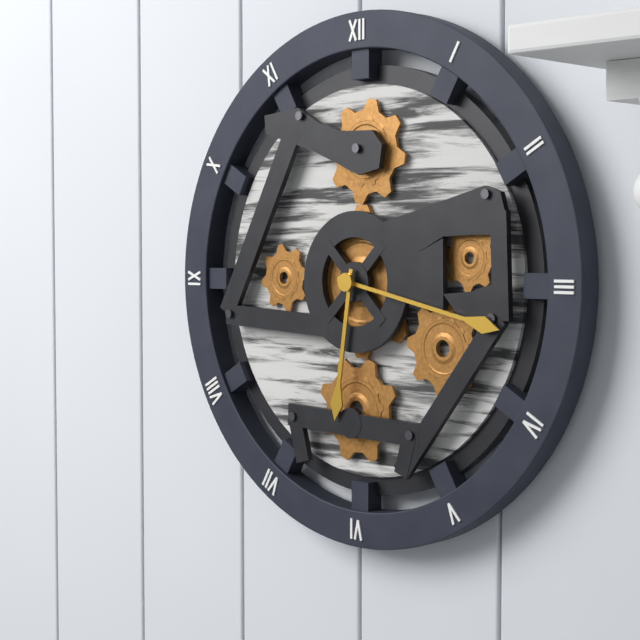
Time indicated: 6:17
